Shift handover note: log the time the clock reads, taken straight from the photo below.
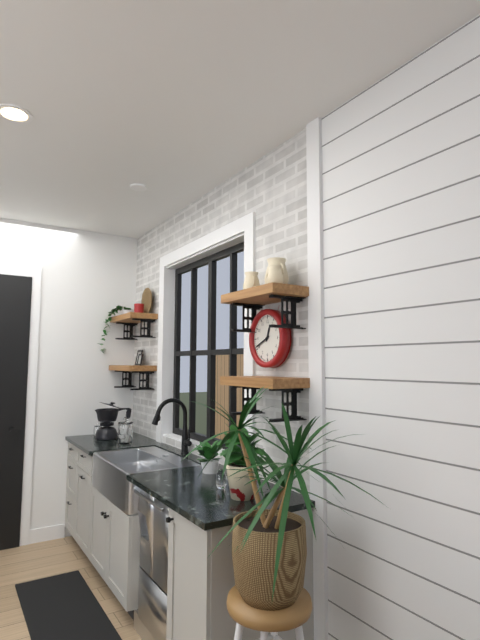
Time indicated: 12:41
